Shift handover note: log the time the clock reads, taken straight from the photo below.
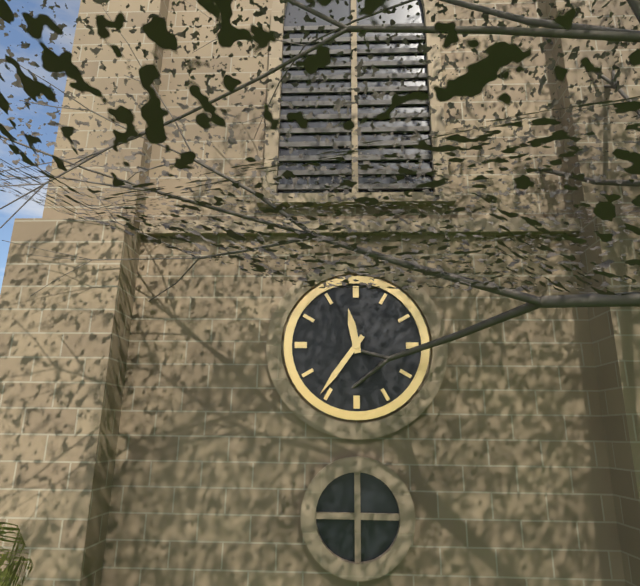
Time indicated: 11:36
